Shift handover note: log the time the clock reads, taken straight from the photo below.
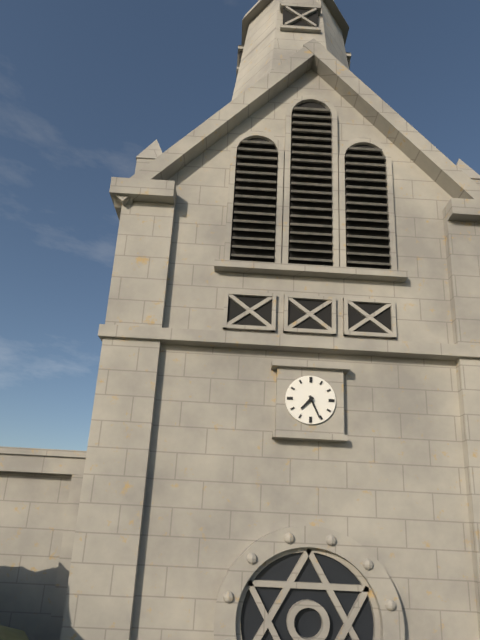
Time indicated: 7:26
